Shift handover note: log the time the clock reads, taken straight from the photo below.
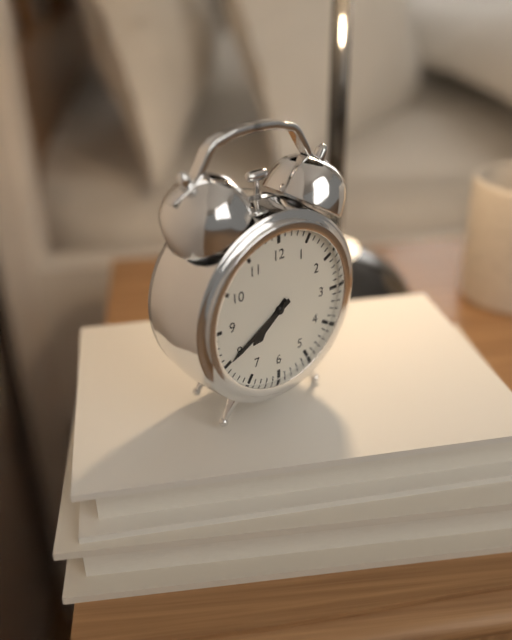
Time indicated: 7:40
